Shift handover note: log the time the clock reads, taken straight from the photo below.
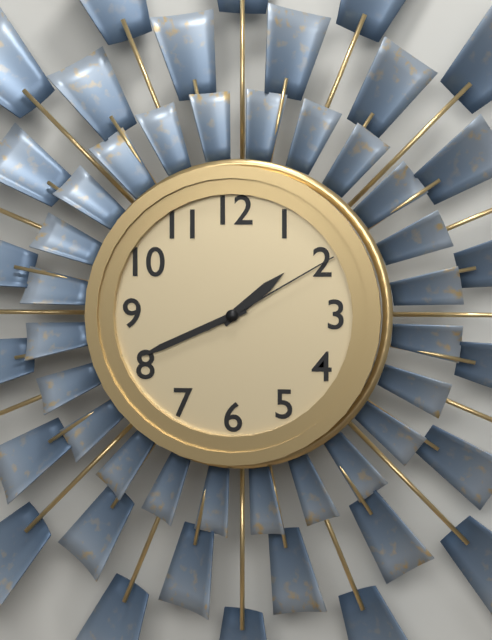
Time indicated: 1:41:10
